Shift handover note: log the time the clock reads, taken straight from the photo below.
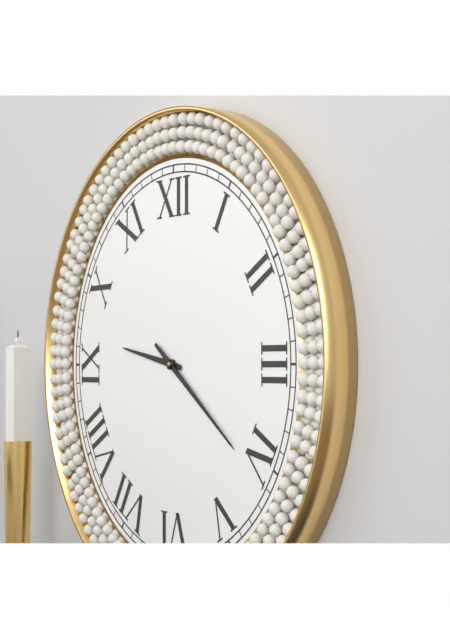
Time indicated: 9:21
